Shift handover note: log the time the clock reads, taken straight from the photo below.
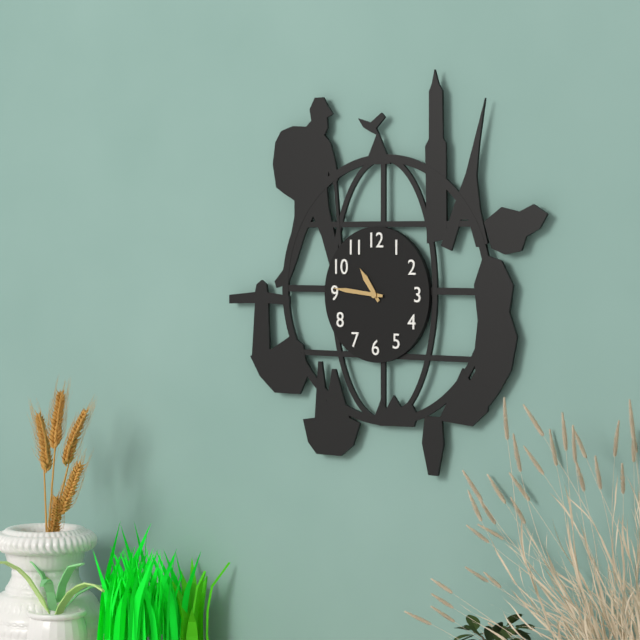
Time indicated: 10:46
